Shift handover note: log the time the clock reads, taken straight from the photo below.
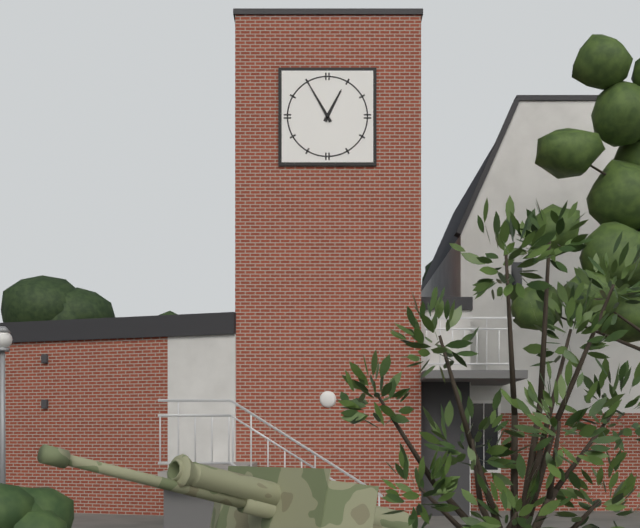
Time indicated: 12:55
